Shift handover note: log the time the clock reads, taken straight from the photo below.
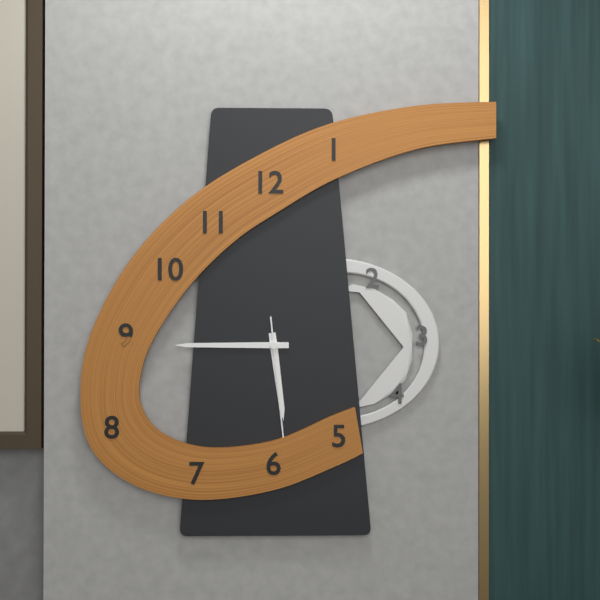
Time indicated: 5:45:29
